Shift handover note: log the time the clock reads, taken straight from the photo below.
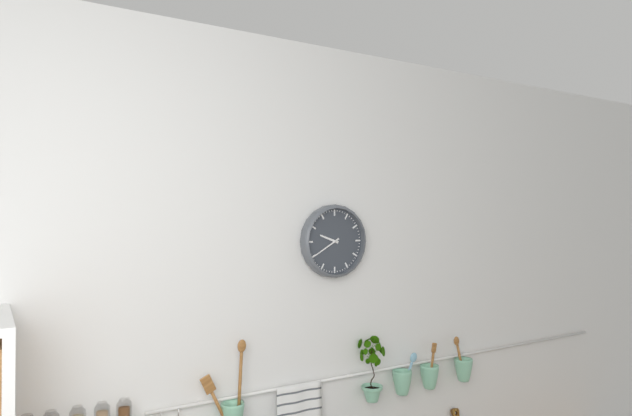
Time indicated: 9:40
